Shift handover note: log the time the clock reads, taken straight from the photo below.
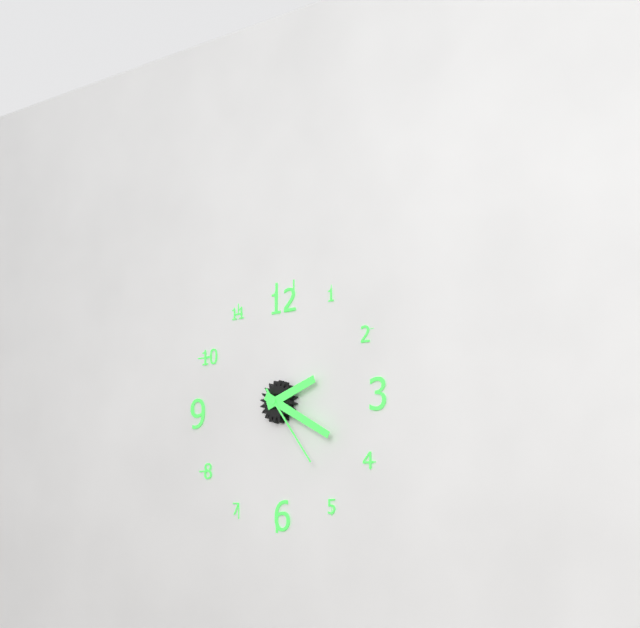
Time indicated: 2:20:24
